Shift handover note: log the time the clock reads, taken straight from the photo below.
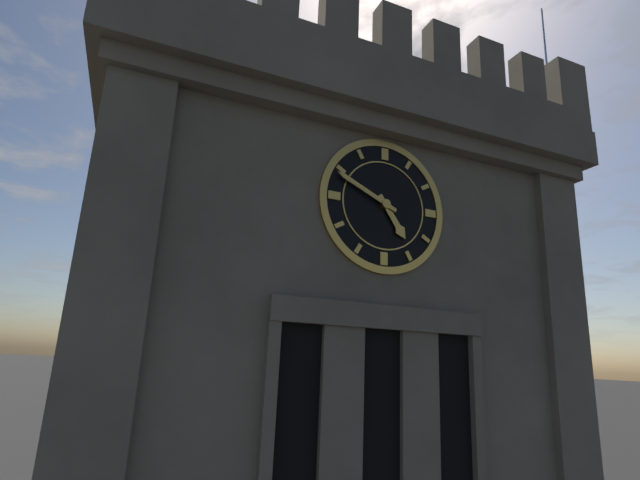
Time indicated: 4:49
